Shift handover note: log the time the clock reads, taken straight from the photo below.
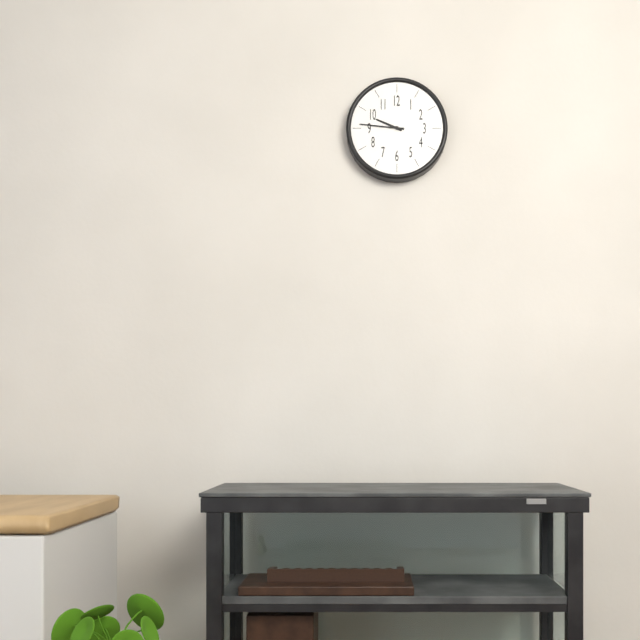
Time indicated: 9:46
